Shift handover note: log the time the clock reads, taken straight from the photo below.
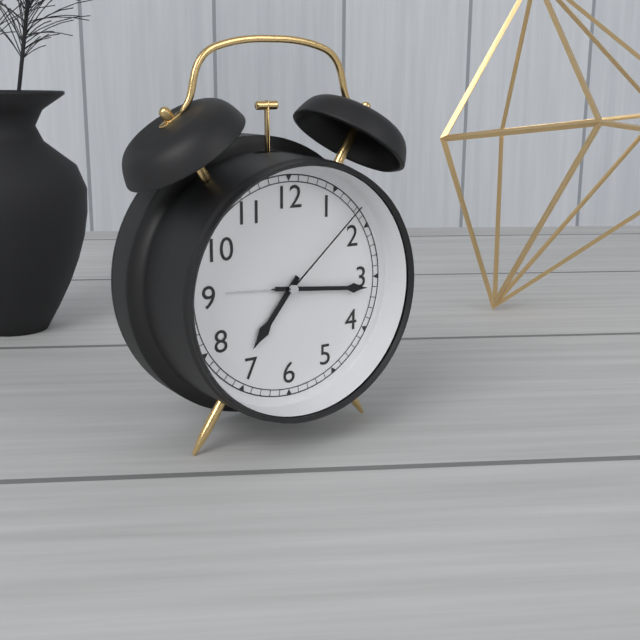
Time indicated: 7:16:08
